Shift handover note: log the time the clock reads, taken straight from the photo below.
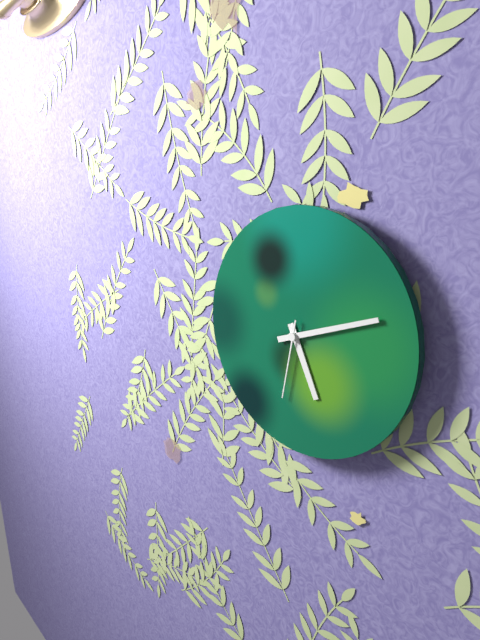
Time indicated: 5:12:32
